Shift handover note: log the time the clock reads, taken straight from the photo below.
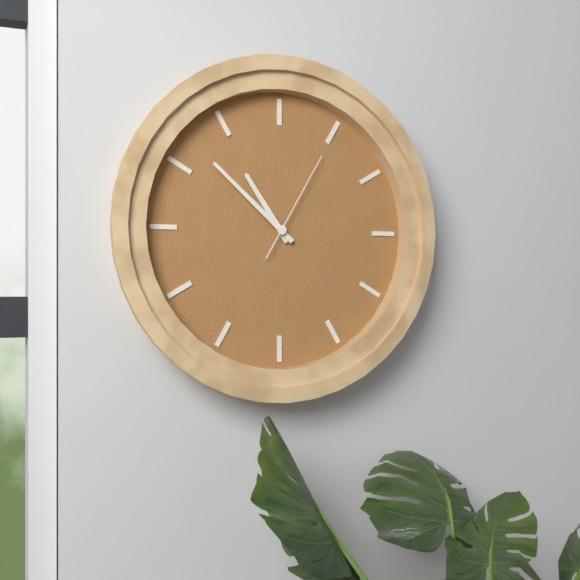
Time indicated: 10:52:05
